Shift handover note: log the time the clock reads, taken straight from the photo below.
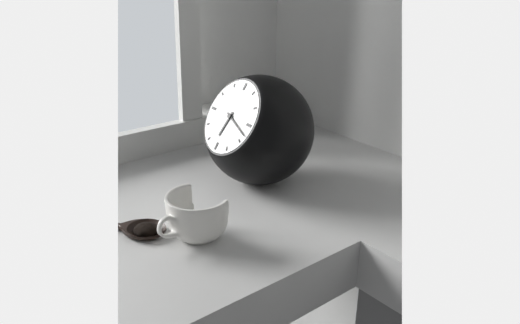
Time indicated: 6:18
